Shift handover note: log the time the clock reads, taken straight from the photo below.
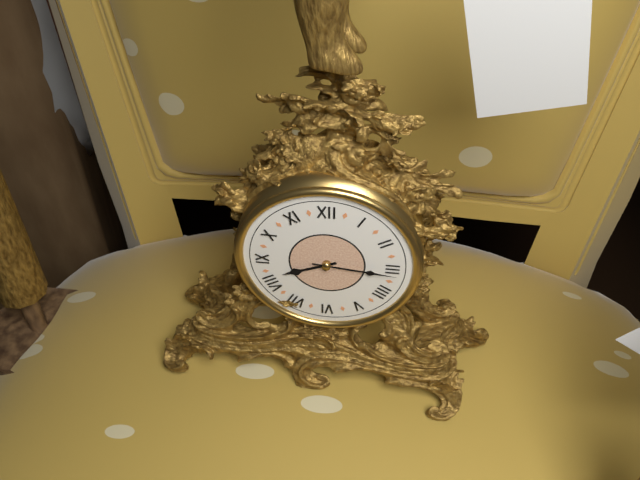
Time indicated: 8:16
